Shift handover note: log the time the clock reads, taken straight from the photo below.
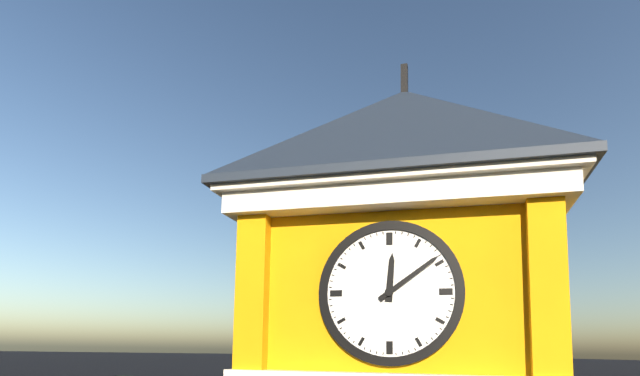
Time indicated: 12:09
